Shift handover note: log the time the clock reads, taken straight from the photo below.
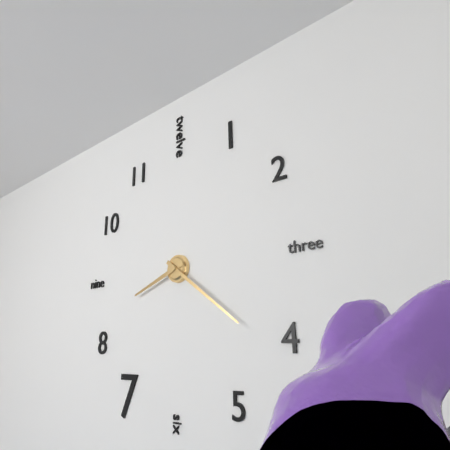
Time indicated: 8:21
